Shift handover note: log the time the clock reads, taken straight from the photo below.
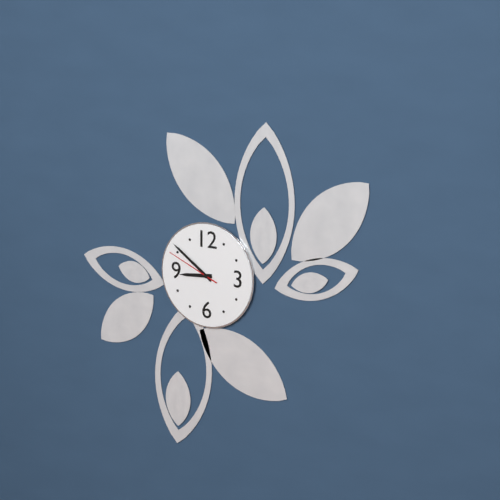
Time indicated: 8:51:49
